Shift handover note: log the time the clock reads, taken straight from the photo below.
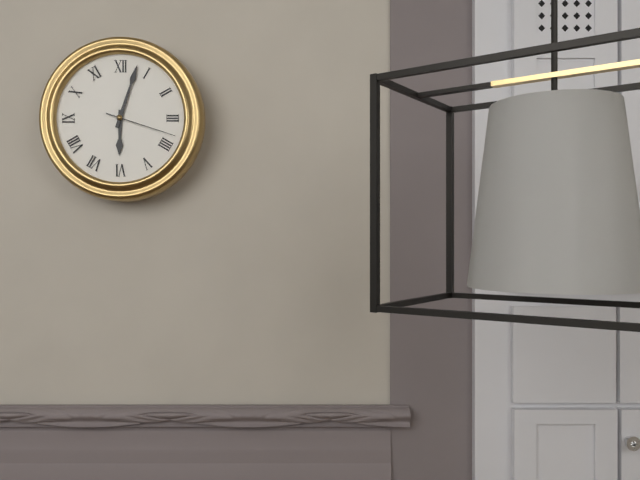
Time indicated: 6:03:18
